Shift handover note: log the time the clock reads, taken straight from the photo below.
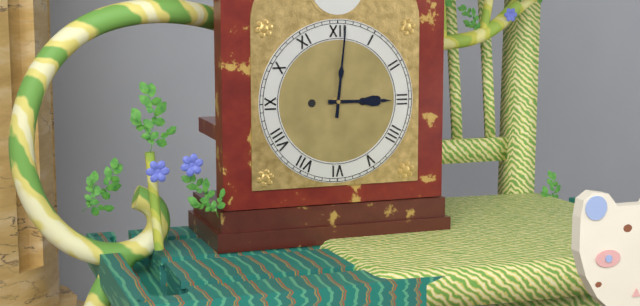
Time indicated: 3:01
